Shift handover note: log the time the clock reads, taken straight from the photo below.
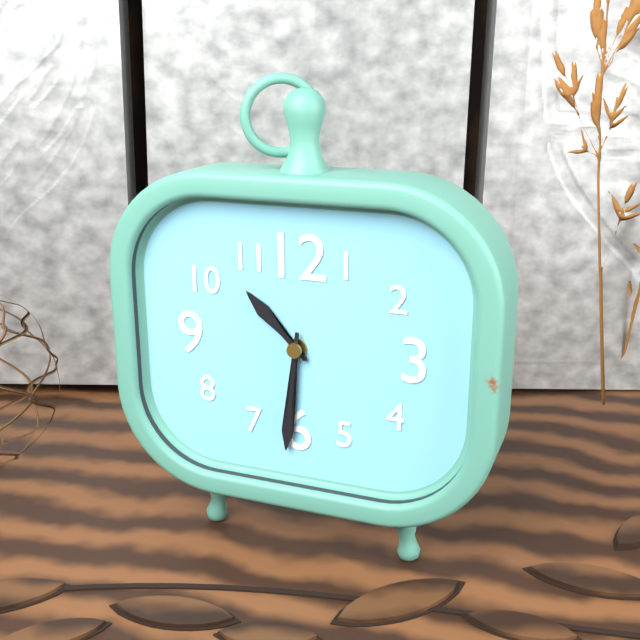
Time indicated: 10:31
